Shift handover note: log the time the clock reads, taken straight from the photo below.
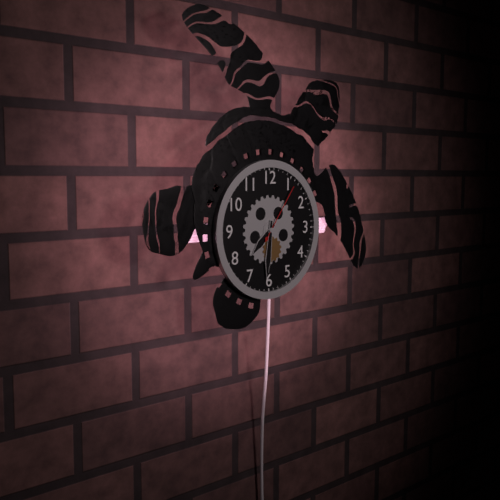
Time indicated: 7:31:06
